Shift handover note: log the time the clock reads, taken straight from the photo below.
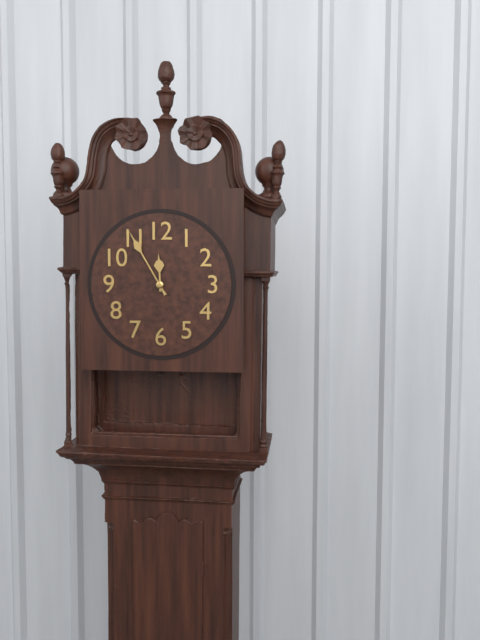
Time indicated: 11:55
